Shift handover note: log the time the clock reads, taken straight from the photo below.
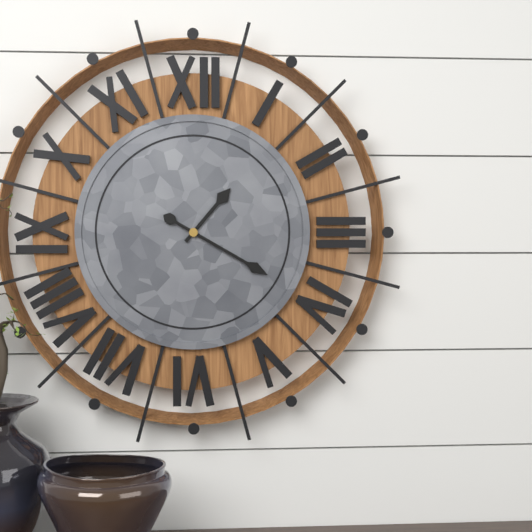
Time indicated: 1:20
